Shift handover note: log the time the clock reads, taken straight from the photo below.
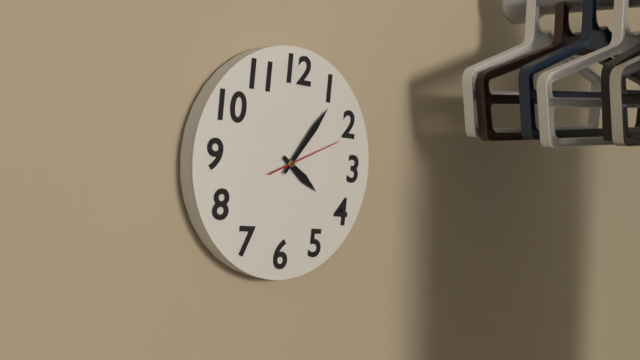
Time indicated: 4:06:11
